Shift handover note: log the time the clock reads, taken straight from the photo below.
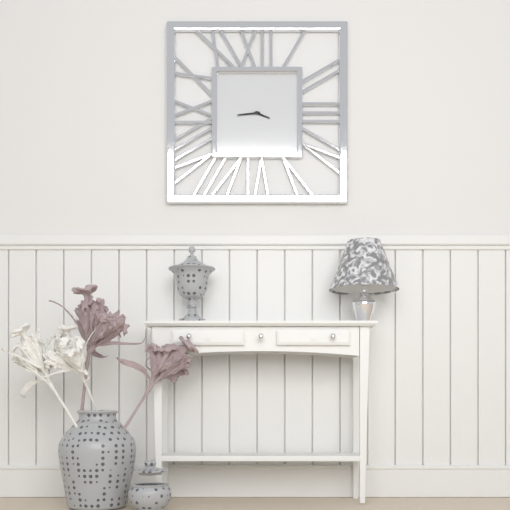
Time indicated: 3:44
